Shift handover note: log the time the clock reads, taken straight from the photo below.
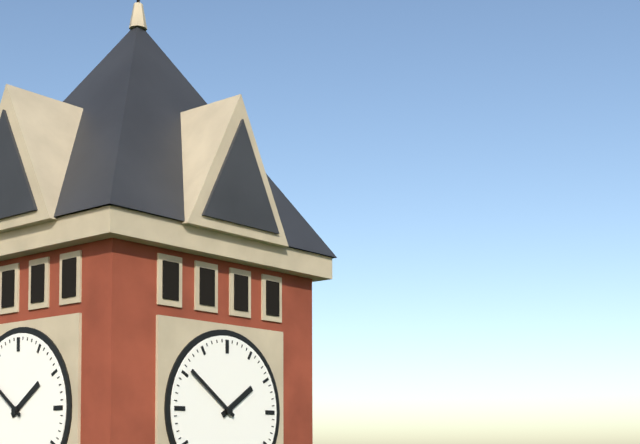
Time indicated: 1:51
